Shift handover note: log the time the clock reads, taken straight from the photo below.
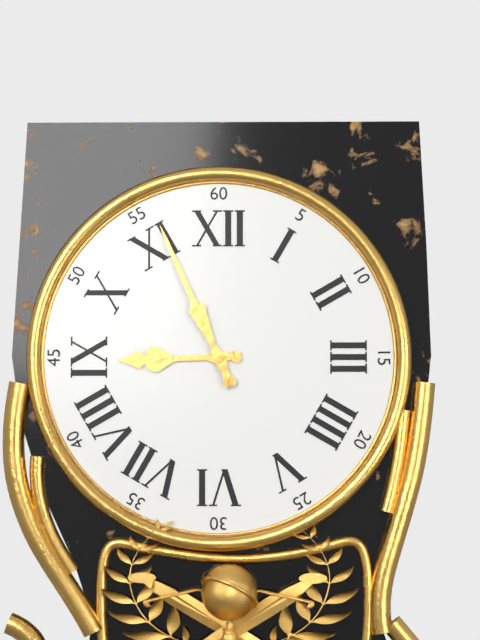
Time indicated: 8:56
